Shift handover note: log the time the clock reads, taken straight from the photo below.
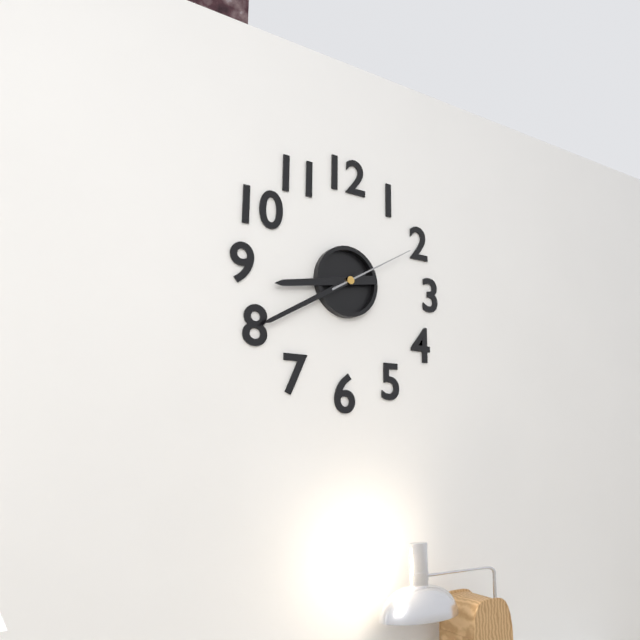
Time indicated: 8:40:10
